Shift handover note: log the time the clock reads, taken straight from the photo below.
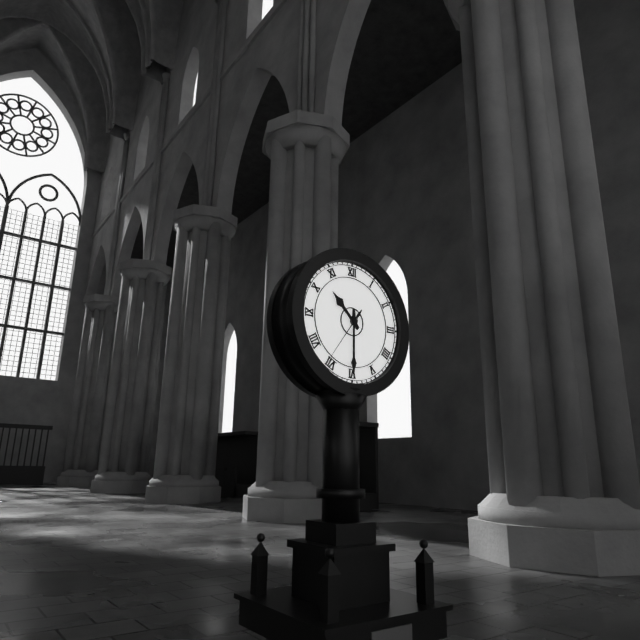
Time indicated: 10:30:36
